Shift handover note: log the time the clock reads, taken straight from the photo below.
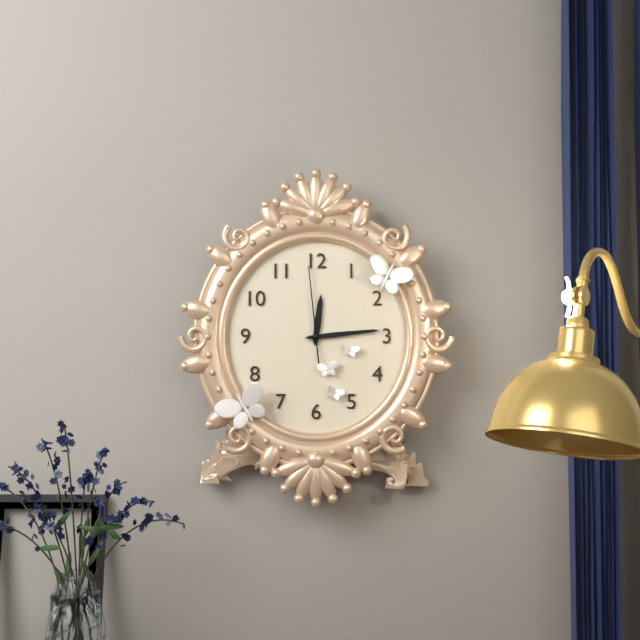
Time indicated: 12:14:59
